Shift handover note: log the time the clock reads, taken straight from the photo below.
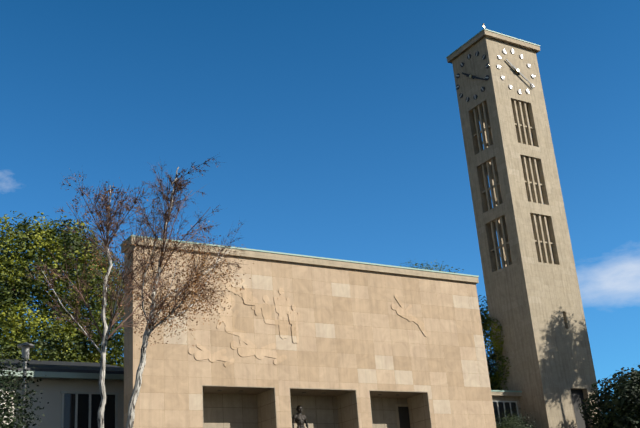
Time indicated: 10:21
